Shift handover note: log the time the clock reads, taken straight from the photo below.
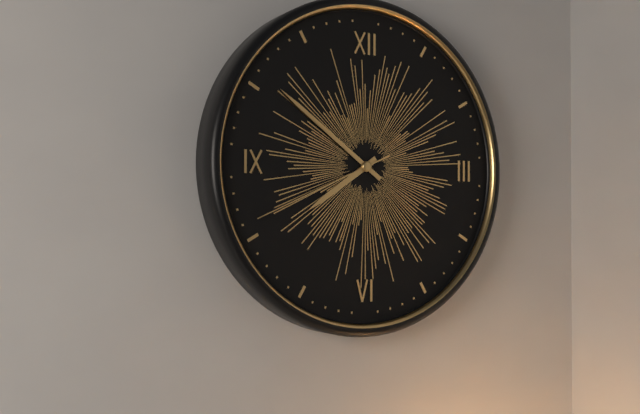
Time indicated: 7:51:41
